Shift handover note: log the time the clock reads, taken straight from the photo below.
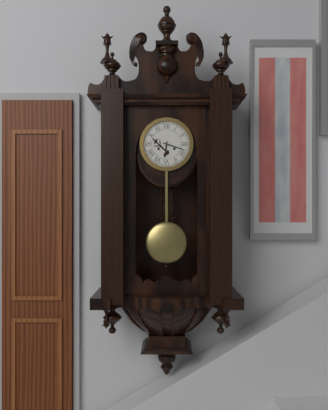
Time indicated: 6:18
